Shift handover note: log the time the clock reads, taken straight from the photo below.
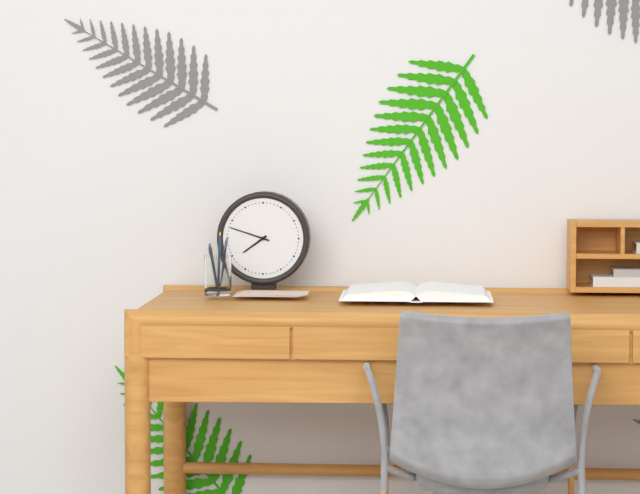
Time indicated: 7:48
